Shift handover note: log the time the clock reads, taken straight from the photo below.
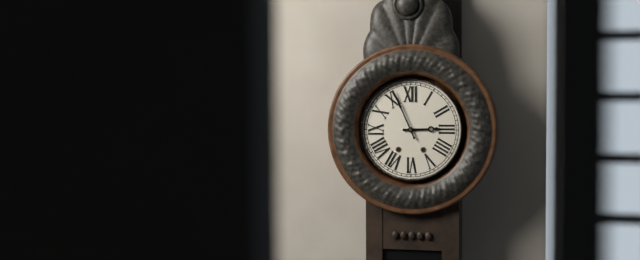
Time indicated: 2:56
